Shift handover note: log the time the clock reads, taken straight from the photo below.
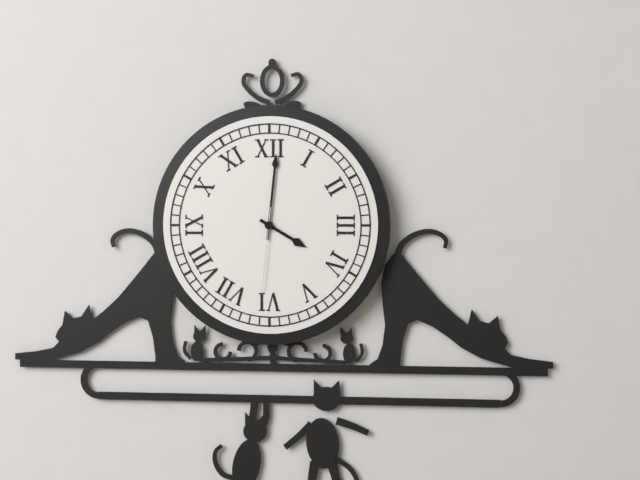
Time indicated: 4:01:31
